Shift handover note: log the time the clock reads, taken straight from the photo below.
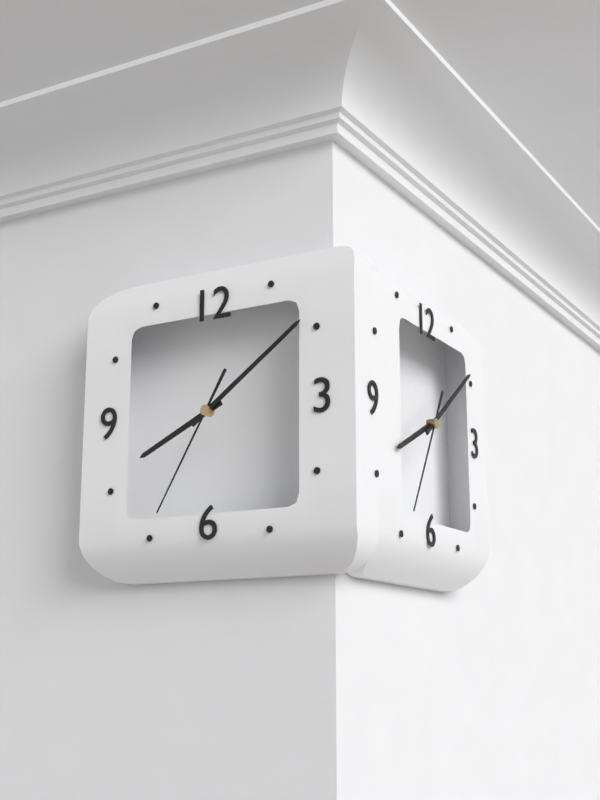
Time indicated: 8:09:35
